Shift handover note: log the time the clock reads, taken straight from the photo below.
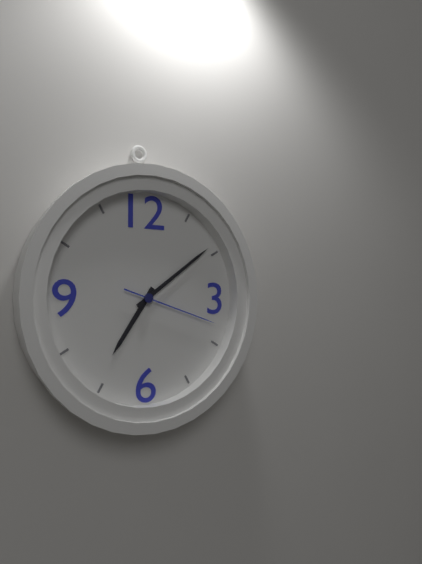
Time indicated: 7:09:18
